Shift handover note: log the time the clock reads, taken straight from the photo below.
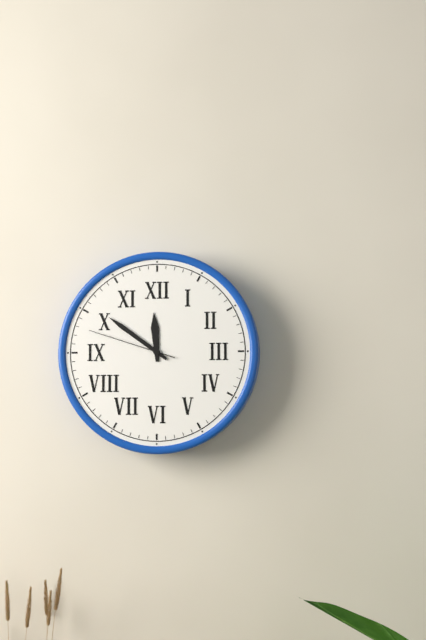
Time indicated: 11:51:48
